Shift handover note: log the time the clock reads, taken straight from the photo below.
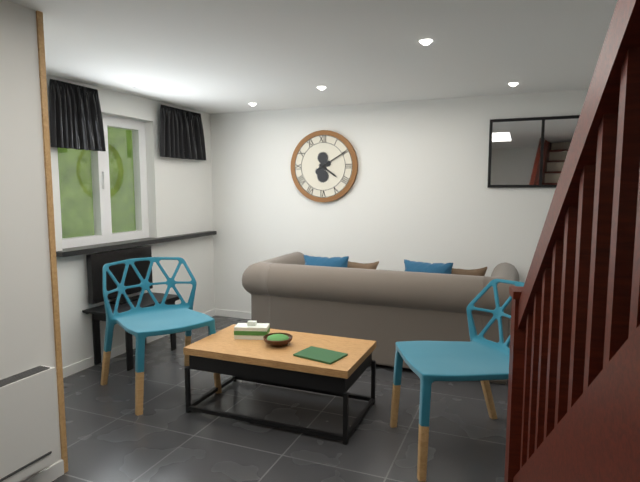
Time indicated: 4:10
